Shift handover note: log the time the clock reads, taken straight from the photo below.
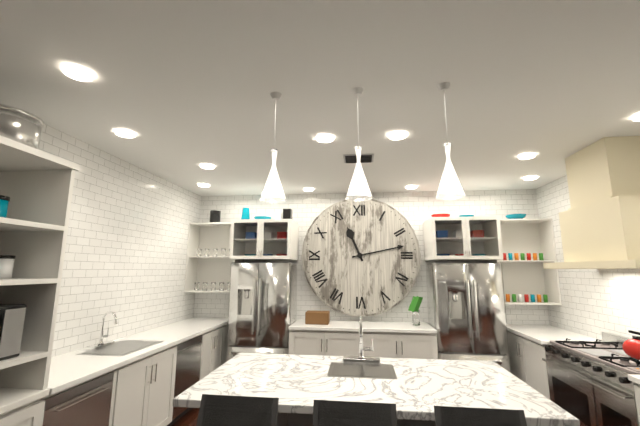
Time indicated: 11:13
